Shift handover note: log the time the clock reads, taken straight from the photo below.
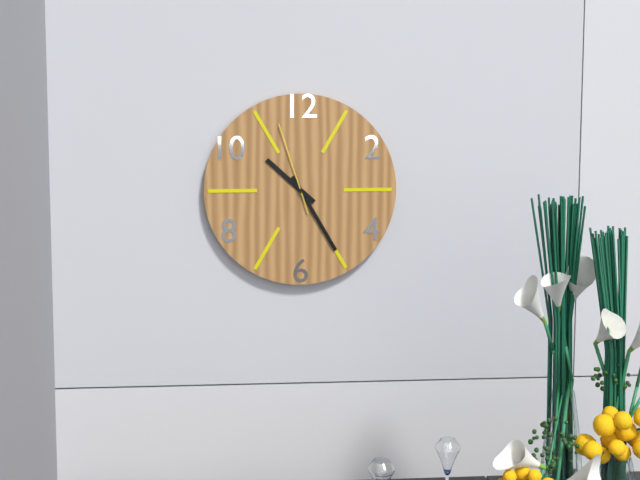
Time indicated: 10:25:57
